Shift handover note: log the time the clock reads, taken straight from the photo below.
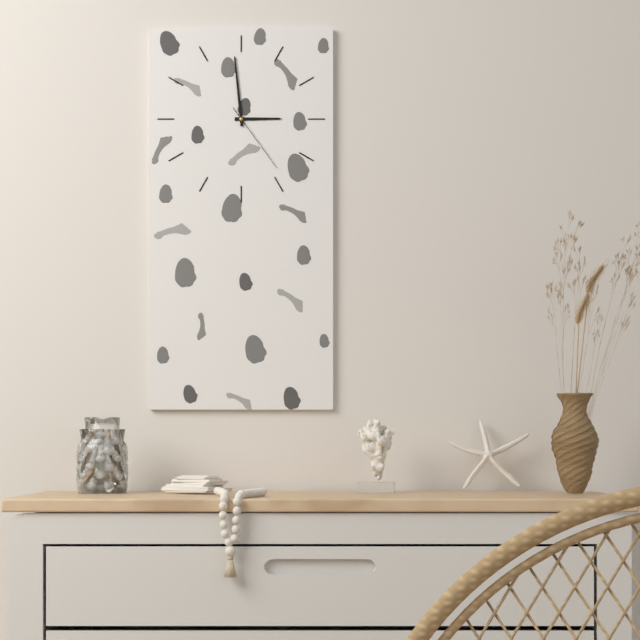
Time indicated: 2:59:24
